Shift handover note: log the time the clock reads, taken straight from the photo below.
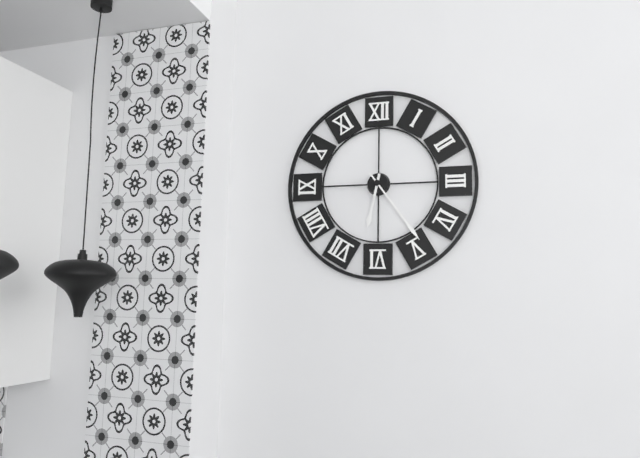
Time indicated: 6:24
